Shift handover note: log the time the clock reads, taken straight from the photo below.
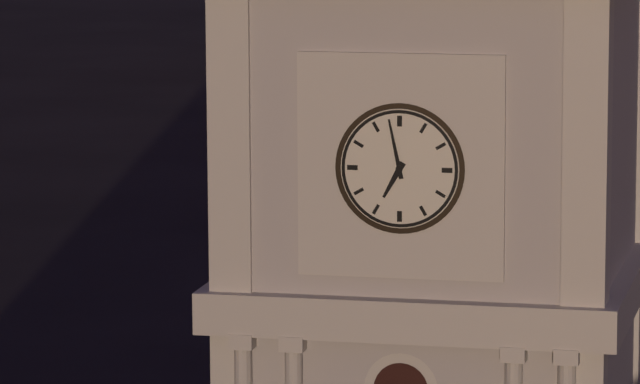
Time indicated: 6:58
